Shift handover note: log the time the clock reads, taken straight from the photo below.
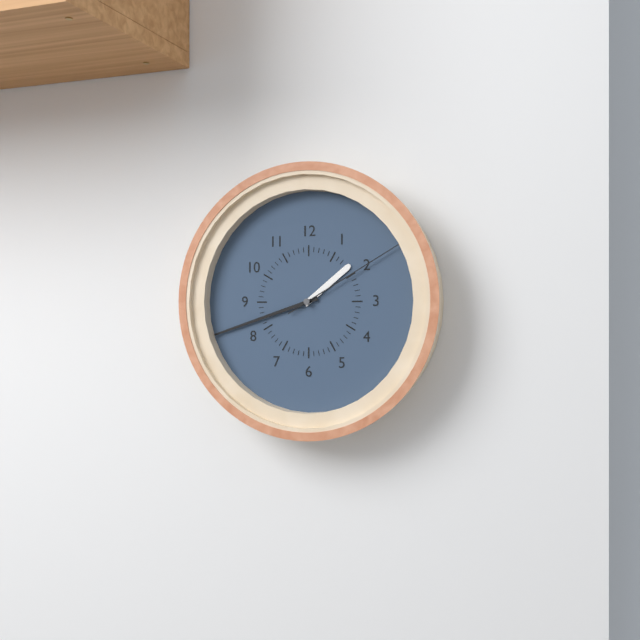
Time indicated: 1:42:10
